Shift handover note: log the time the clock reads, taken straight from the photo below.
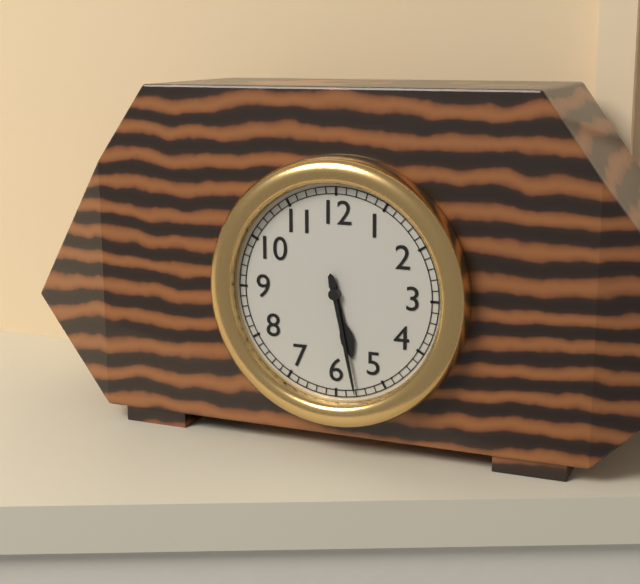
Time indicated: 5:28
